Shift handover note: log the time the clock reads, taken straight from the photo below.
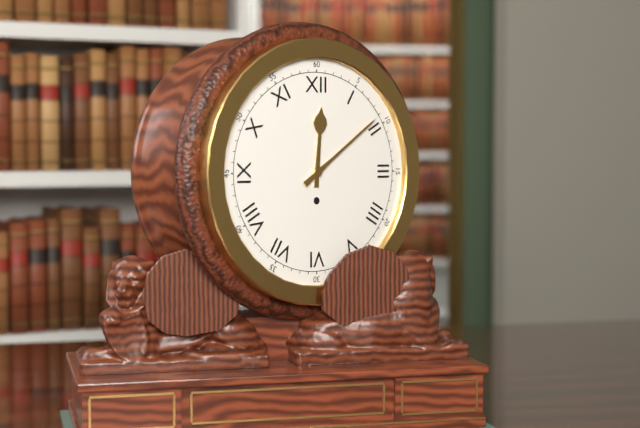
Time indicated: 12:09
